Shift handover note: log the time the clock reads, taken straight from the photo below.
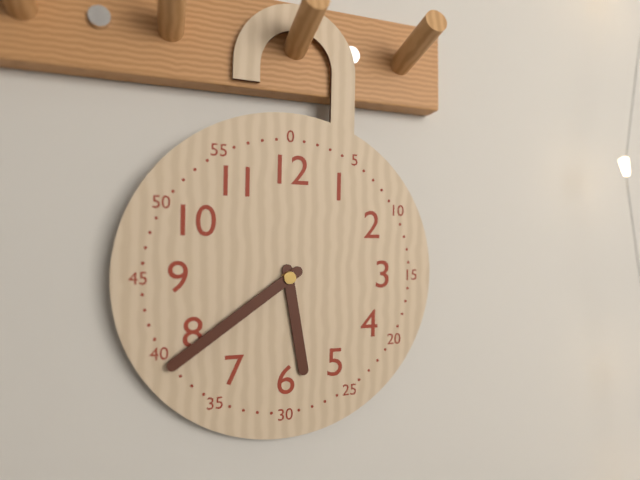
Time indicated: 5:39
